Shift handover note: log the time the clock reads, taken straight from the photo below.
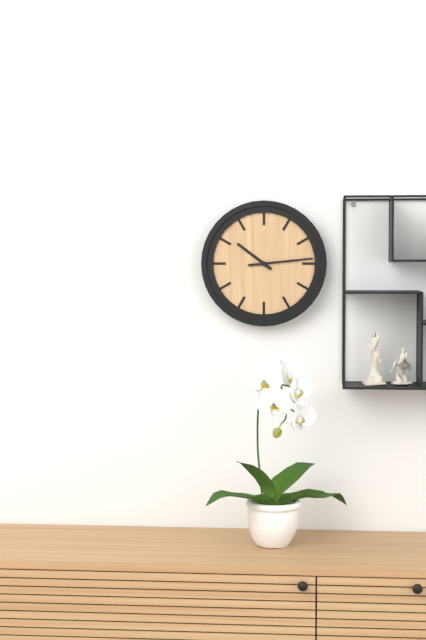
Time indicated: 10:14
